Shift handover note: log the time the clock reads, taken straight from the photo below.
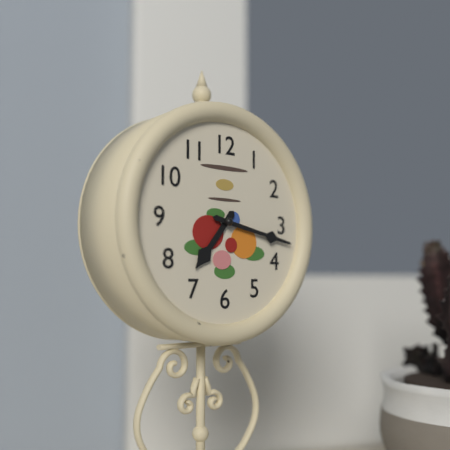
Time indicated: 7:17
